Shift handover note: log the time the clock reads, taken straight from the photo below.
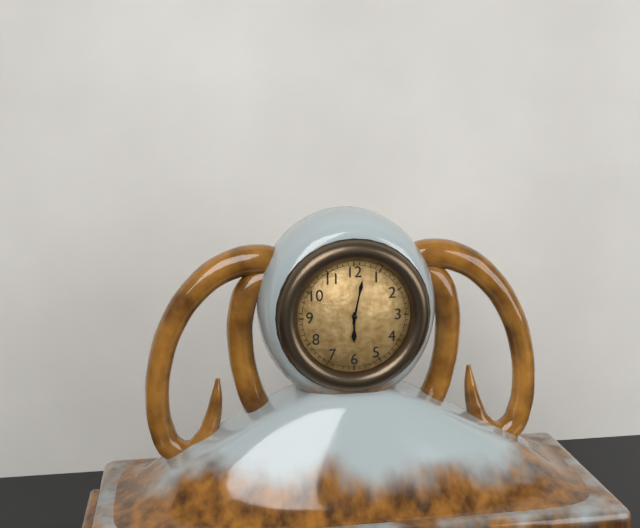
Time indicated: 6:02
